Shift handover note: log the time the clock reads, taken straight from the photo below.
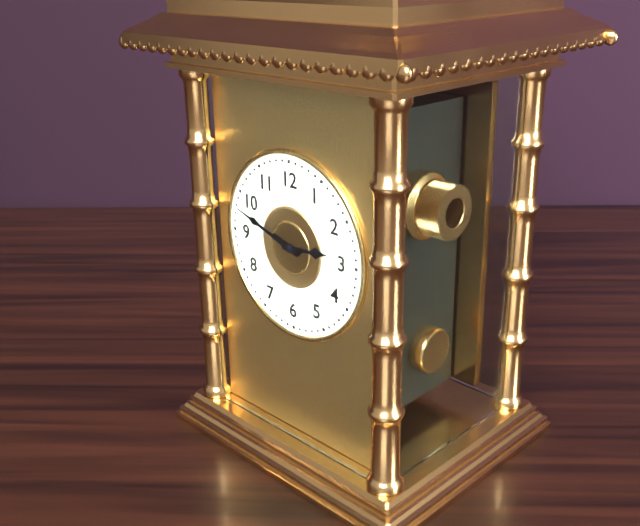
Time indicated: 2:48
